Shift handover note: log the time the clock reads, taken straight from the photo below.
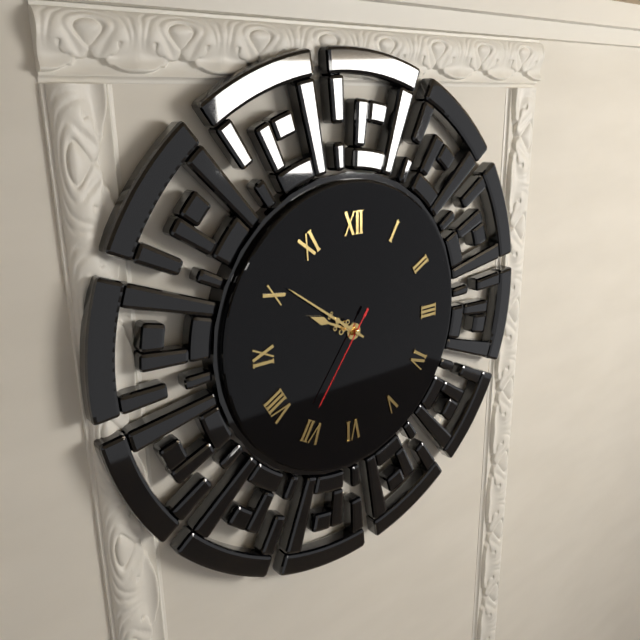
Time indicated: 9:51:36
